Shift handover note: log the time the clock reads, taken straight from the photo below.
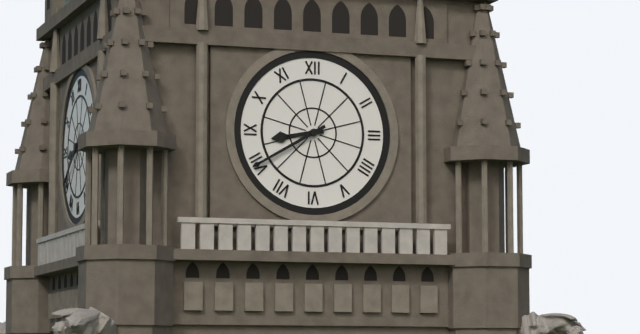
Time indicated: 8:40
